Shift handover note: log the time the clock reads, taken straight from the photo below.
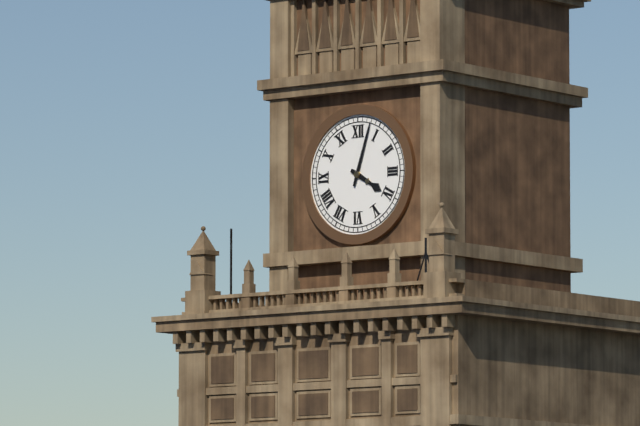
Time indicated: 4:03
